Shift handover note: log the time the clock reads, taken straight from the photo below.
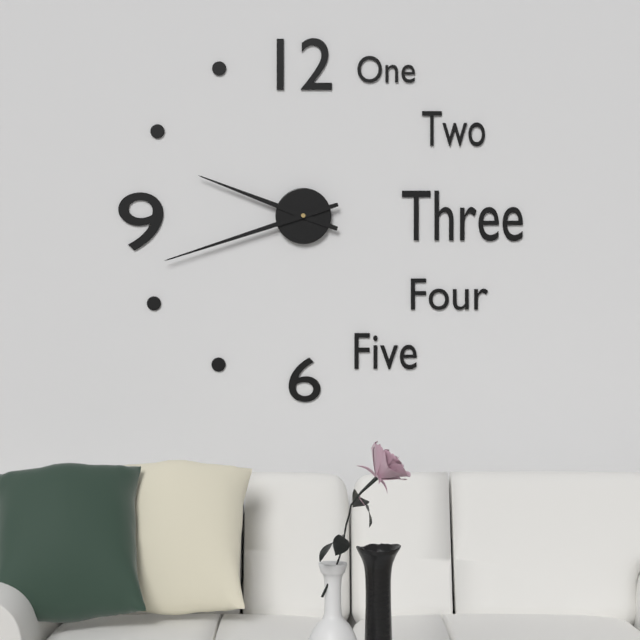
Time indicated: 9:42
